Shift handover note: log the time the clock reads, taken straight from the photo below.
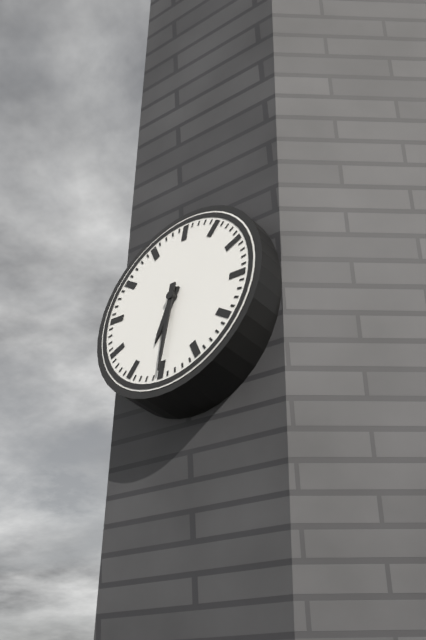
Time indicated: 6:30
